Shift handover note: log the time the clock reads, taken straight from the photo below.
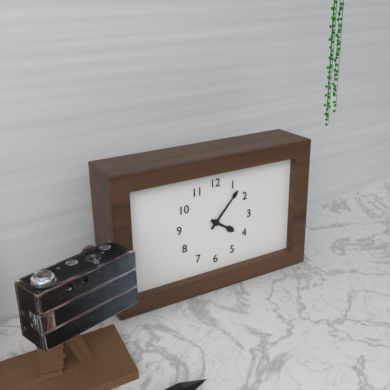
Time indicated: 4:07
